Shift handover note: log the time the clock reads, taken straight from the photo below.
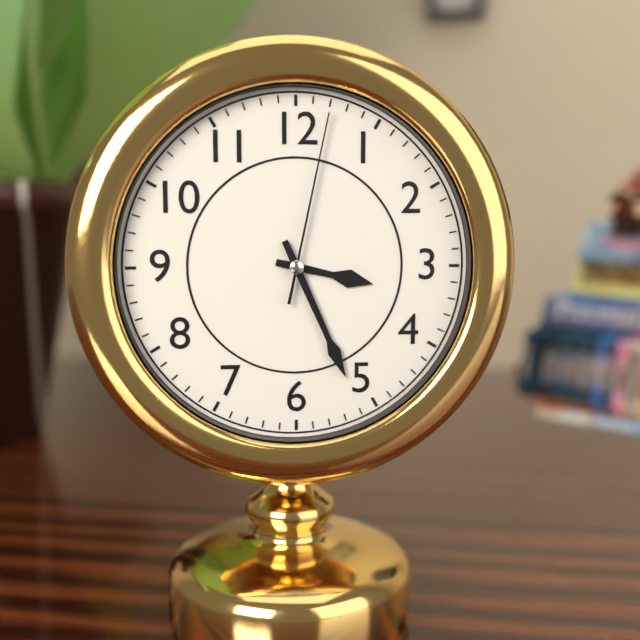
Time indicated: 3:26:02
